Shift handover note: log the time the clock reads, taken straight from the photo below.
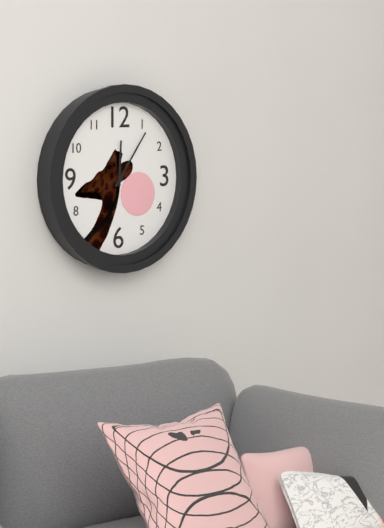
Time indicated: 12:06
